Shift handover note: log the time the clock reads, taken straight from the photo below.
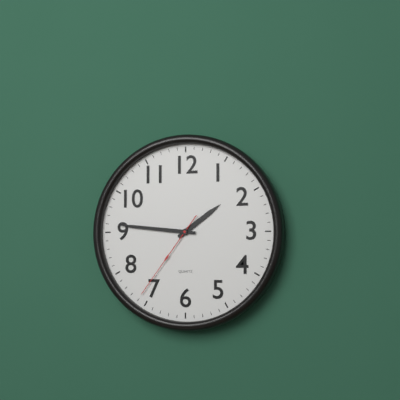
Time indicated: 1:46:36
